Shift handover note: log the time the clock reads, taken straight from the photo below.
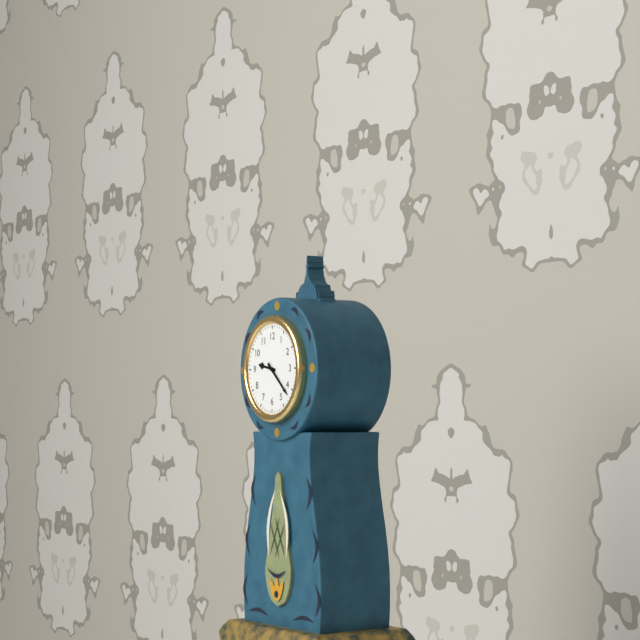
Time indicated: 9:22
